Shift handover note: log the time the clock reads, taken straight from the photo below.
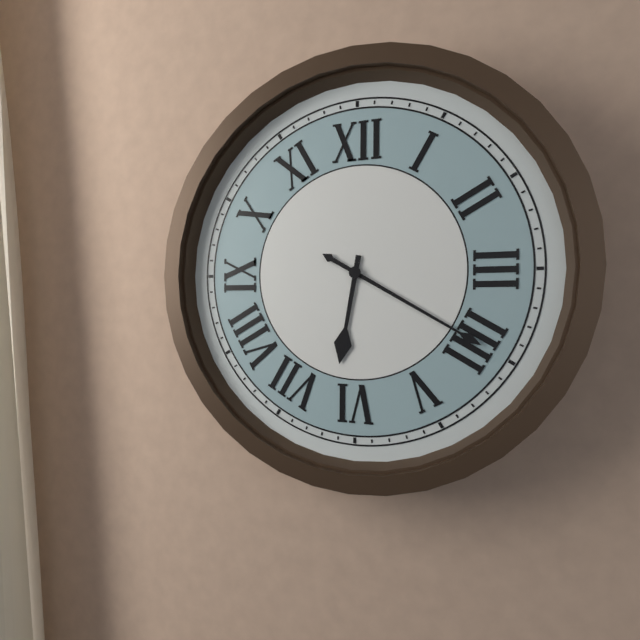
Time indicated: 6:20
